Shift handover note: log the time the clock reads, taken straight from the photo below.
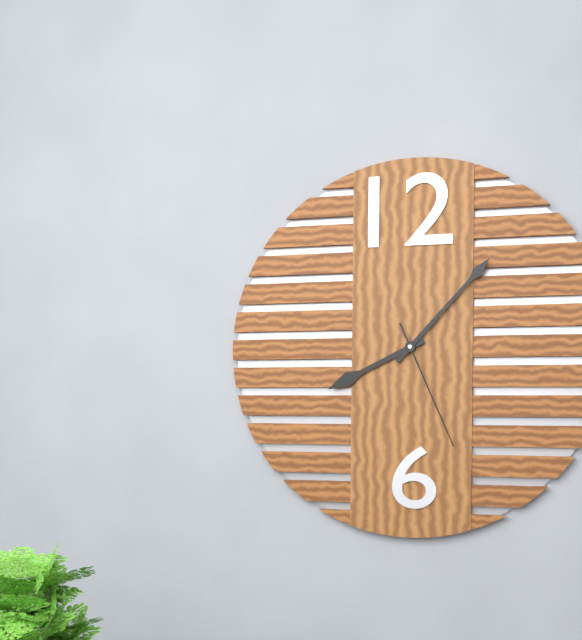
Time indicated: 8:07:26
